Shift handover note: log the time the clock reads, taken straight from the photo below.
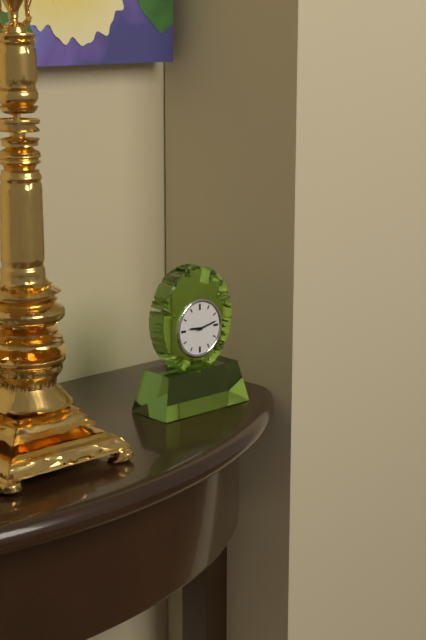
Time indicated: 9:13
